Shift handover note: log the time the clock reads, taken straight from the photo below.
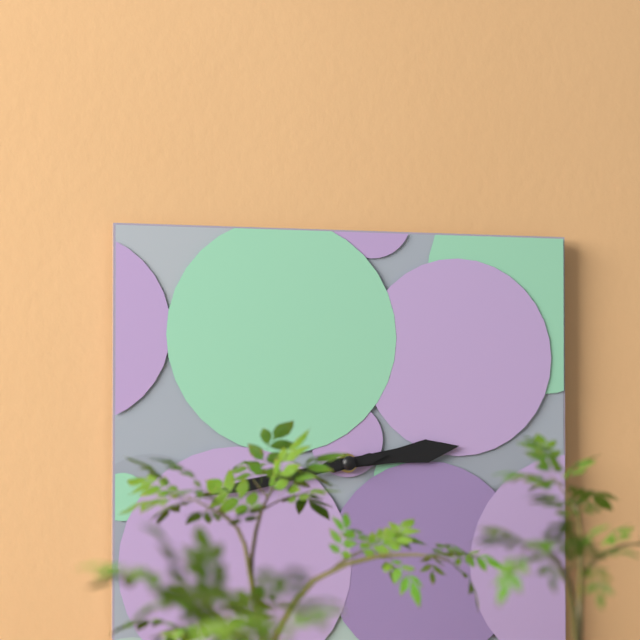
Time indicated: 2:43
